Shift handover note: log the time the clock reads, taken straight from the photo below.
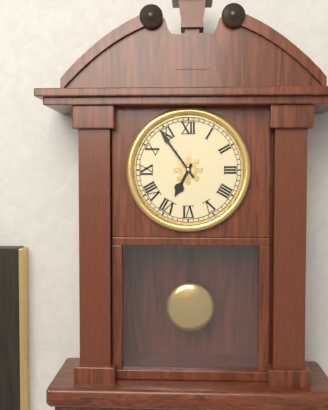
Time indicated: 6:54
